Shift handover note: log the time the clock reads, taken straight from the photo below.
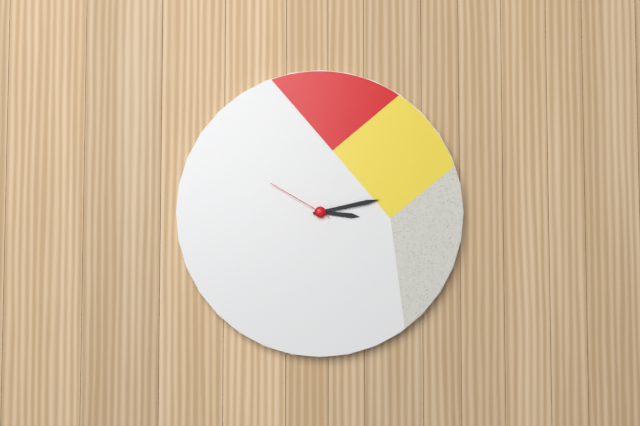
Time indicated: 3:13:50
